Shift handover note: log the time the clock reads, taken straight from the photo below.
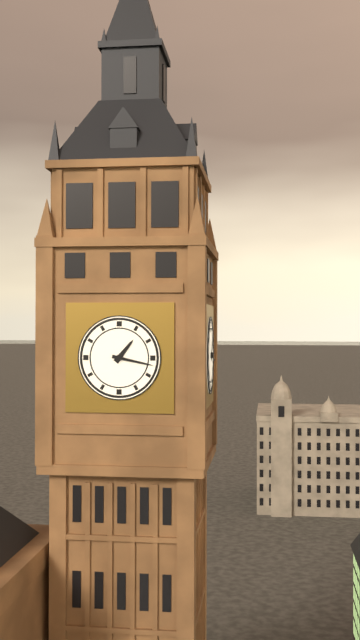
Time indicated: 1:17
